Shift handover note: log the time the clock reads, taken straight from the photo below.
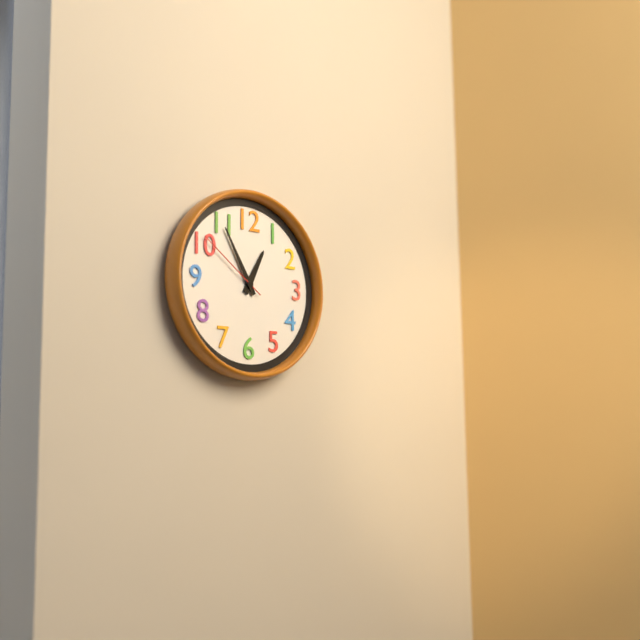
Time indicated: 12:55:51
